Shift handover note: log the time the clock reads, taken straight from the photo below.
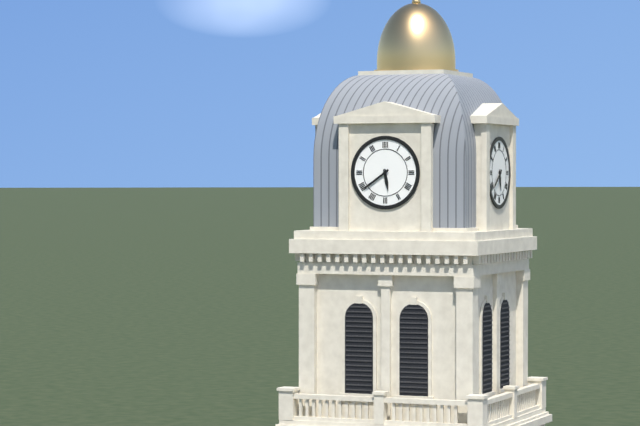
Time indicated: 5:39
